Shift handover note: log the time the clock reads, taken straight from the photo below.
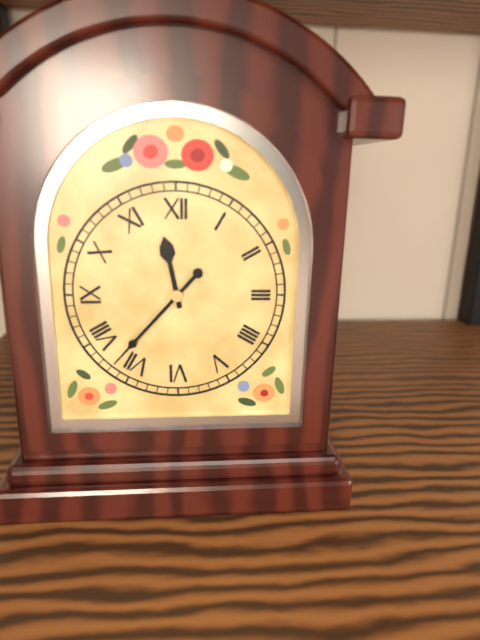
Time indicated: 11:37
